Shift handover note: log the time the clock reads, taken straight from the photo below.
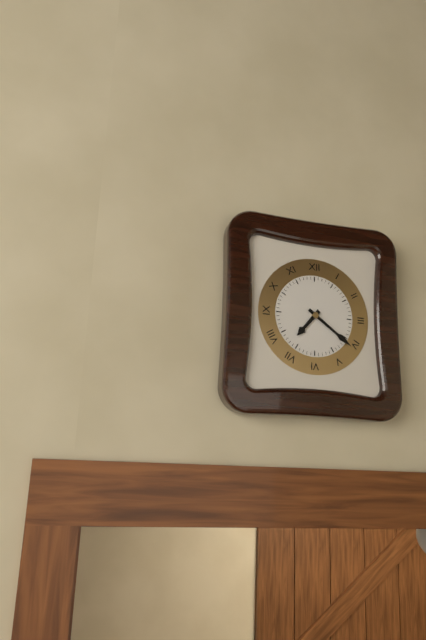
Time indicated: 7:21
